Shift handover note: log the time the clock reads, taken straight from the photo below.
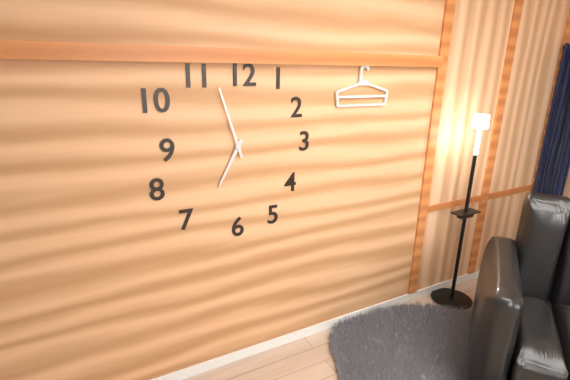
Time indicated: 6:57
